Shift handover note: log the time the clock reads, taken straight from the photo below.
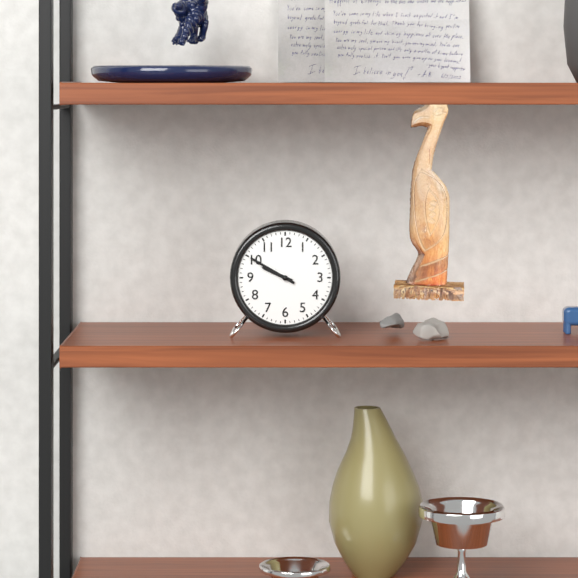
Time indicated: 9:50
